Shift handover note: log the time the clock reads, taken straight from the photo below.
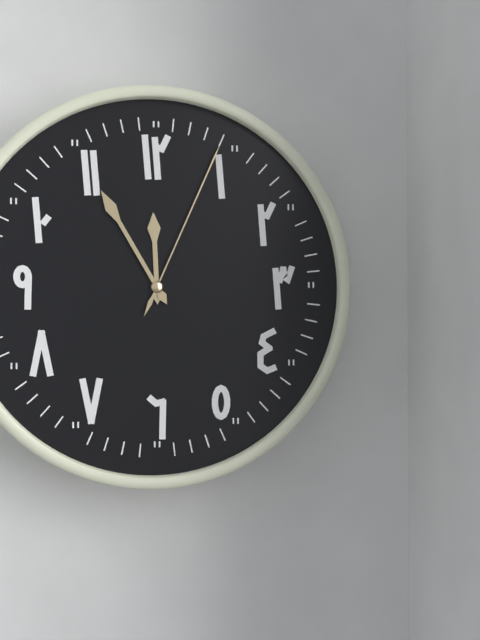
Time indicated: 11:55:04
